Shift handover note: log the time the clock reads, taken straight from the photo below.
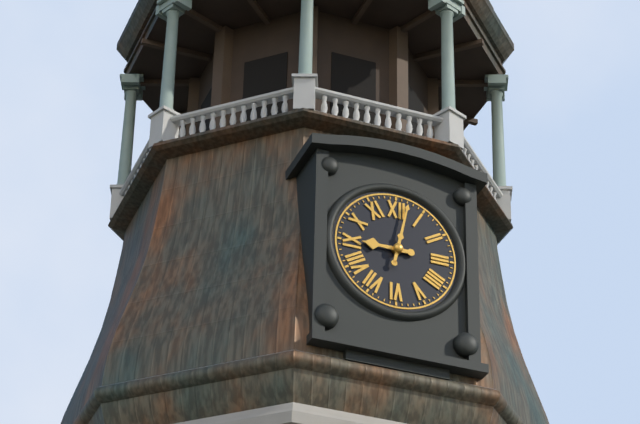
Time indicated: 9:02
